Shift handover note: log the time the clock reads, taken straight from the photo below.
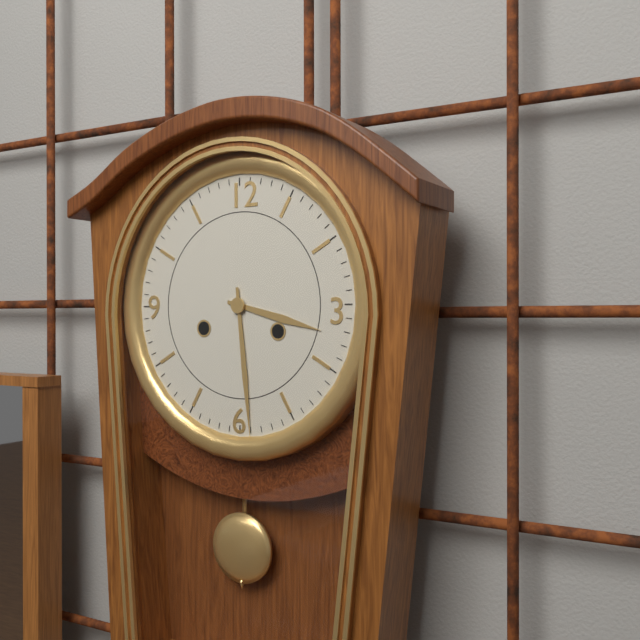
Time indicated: 3:29
